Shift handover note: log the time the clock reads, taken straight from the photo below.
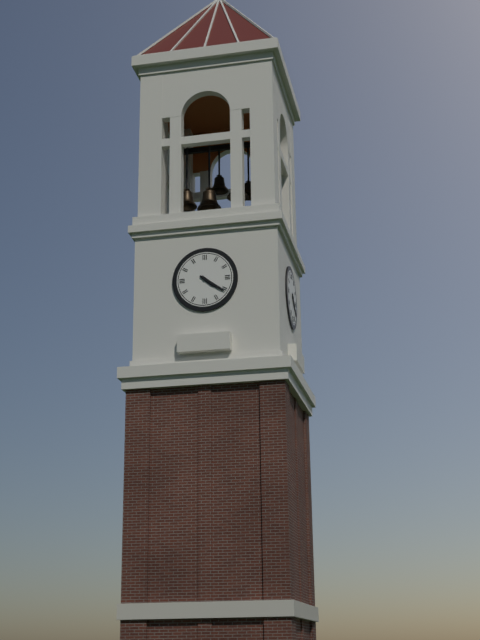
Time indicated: 4:21
